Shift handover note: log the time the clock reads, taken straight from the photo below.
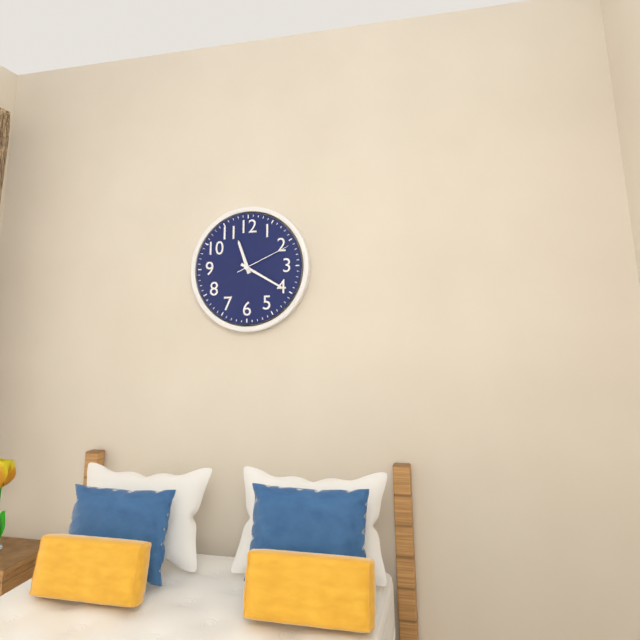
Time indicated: 11:20:11
